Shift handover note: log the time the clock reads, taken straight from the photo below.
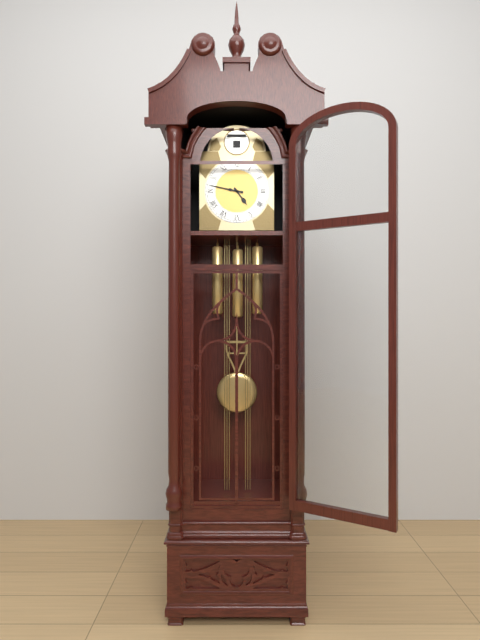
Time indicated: 4:47
